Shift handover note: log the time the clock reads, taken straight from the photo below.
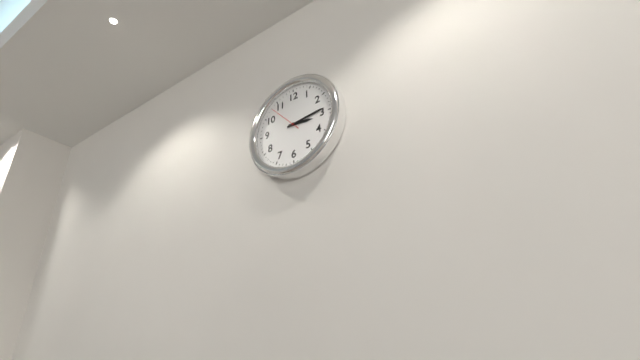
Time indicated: 3:14
